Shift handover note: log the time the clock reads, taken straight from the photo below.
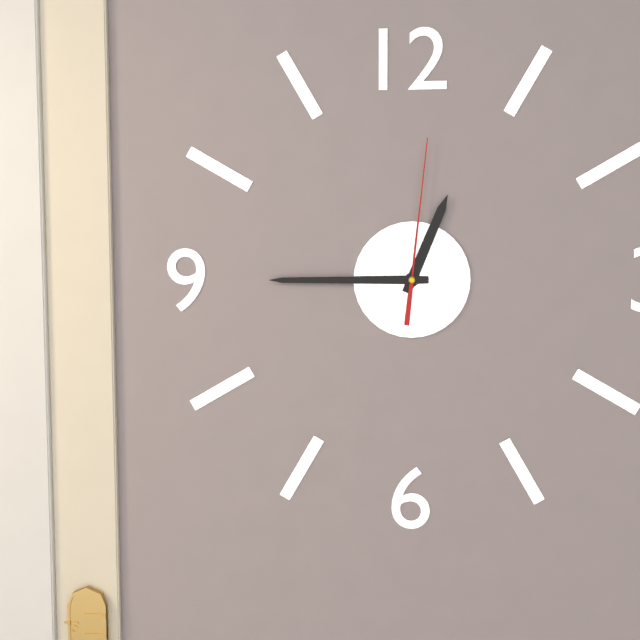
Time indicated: 12:45:01
